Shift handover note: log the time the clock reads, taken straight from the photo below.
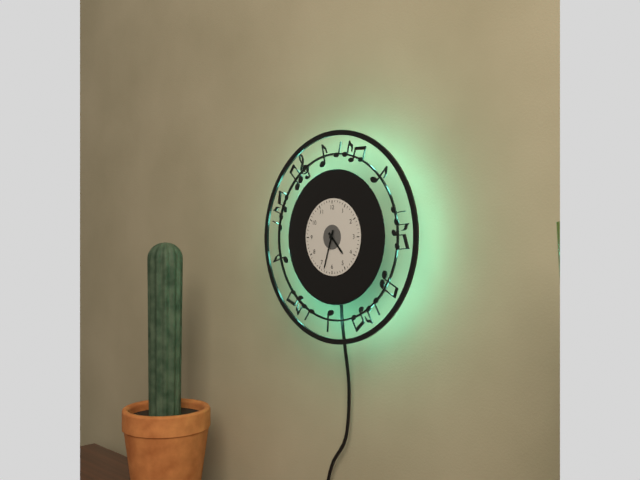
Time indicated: 4:33
